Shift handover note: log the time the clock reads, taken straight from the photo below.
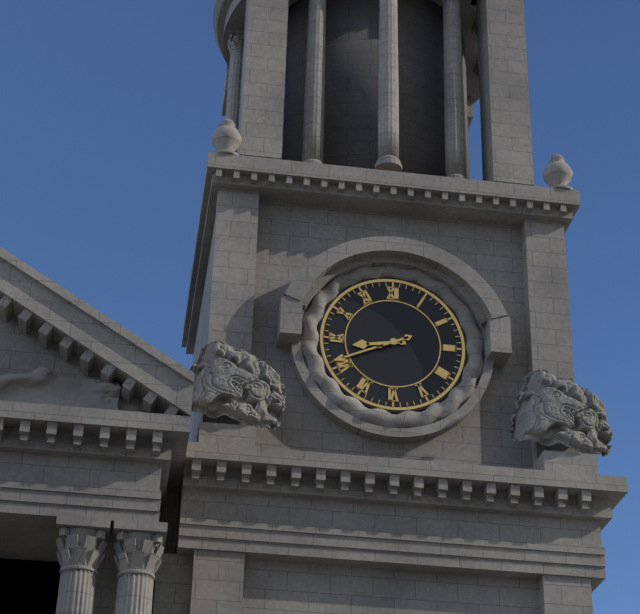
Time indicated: 8:41
